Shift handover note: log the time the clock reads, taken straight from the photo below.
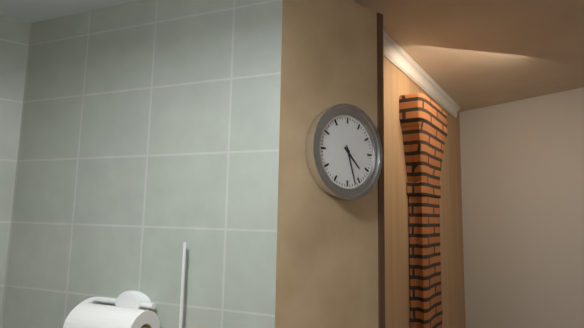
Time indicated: 4:27
